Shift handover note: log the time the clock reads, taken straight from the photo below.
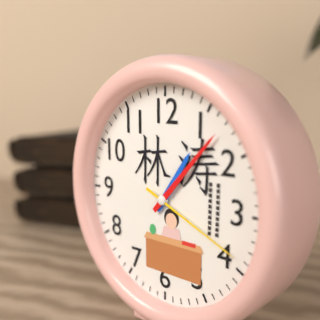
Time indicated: 1:07:19
